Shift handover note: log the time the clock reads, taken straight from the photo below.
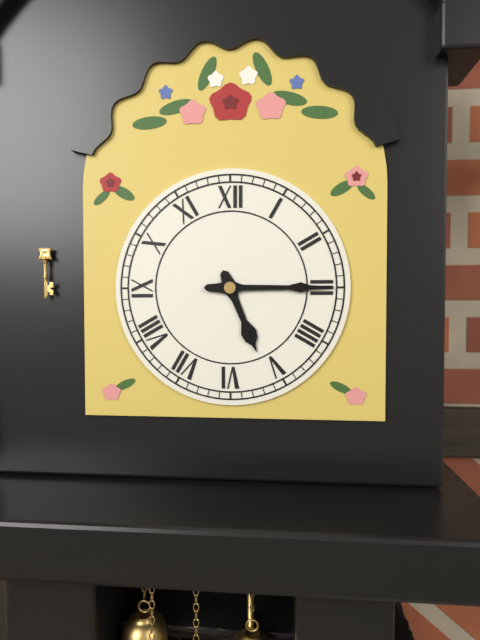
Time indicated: 5:15
